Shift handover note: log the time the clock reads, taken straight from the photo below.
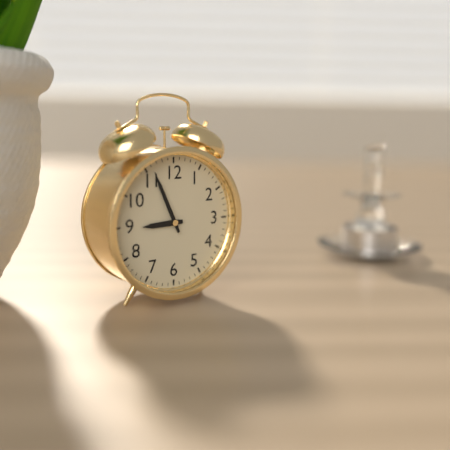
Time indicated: 8:56
